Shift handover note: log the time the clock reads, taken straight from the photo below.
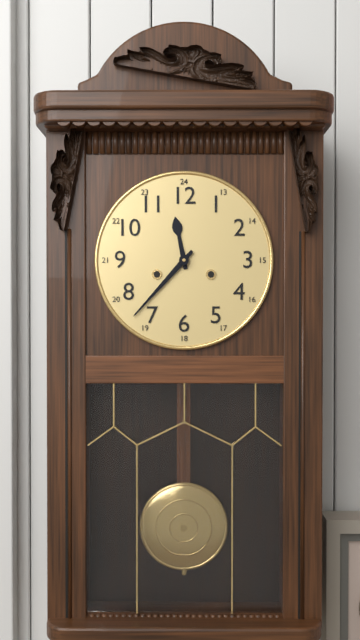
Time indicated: 11:37
